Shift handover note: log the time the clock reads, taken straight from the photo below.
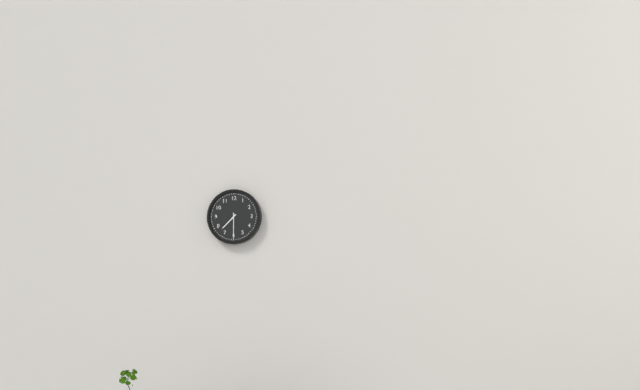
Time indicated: 7:30
